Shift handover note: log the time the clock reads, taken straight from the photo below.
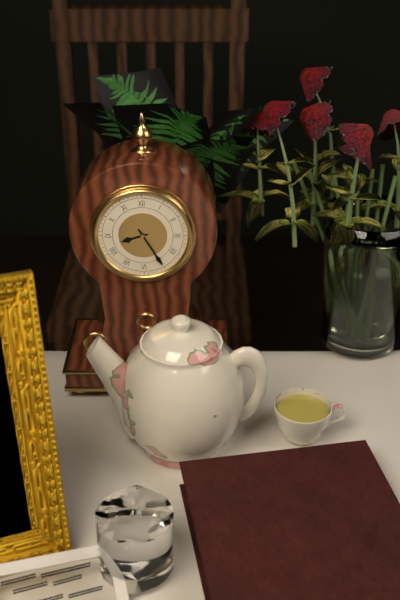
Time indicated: 8:25
